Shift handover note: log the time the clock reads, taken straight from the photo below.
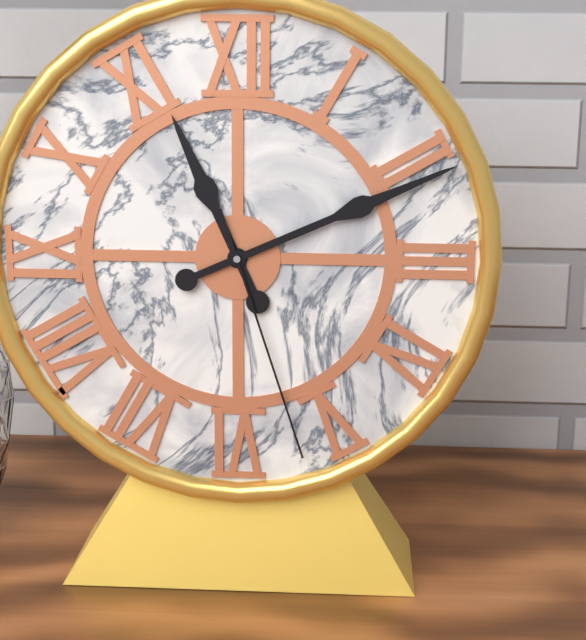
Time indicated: 11:11:27
